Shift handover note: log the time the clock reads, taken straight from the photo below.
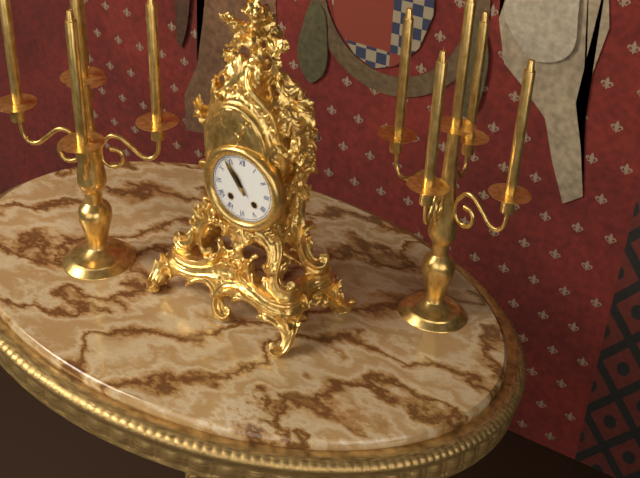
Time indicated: 10:54
